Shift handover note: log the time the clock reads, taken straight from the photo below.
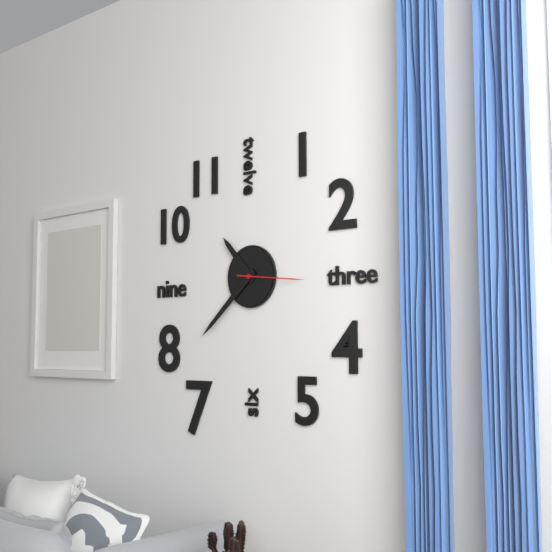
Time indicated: 10:38:16
